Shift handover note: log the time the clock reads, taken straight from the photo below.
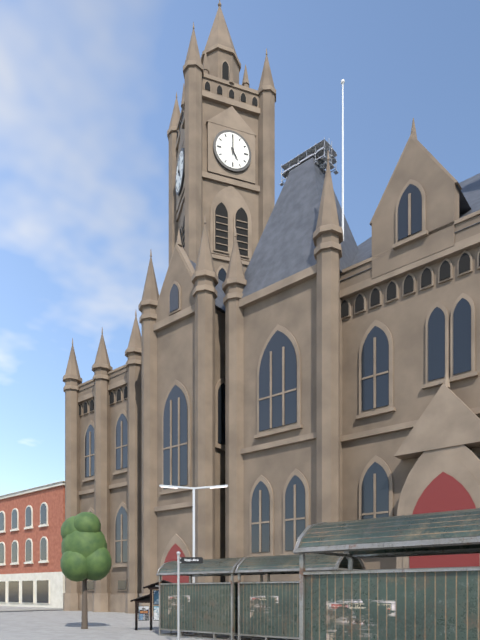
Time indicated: 5:00
